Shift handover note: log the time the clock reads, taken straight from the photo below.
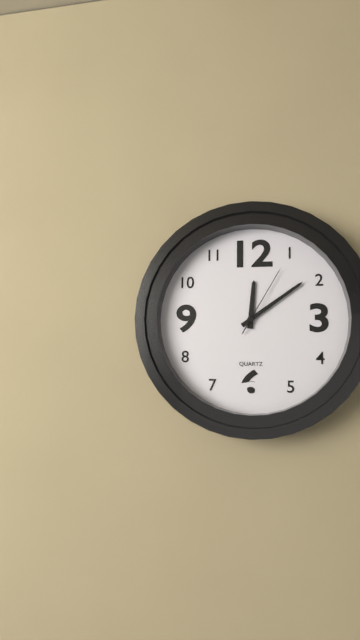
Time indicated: 12:09:05
